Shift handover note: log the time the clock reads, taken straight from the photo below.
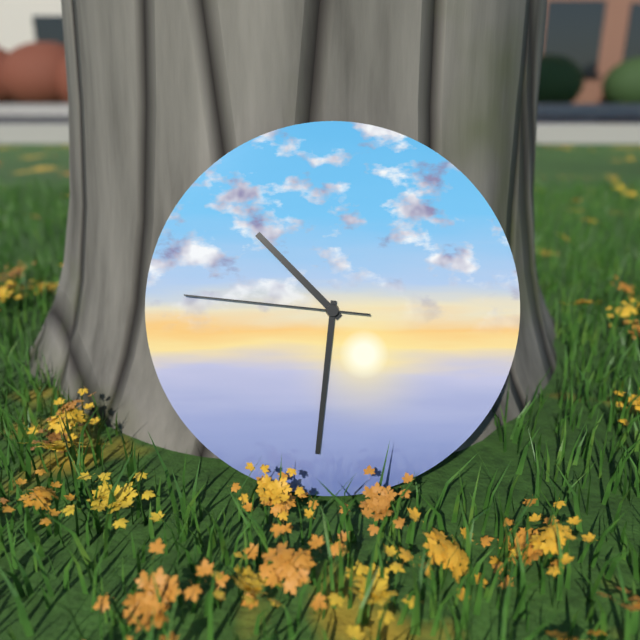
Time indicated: 10:31:46
